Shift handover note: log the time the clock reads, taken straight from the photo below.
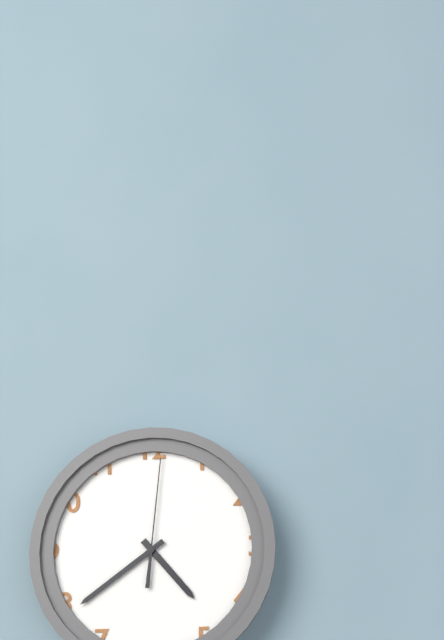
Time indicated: 4:39:01
